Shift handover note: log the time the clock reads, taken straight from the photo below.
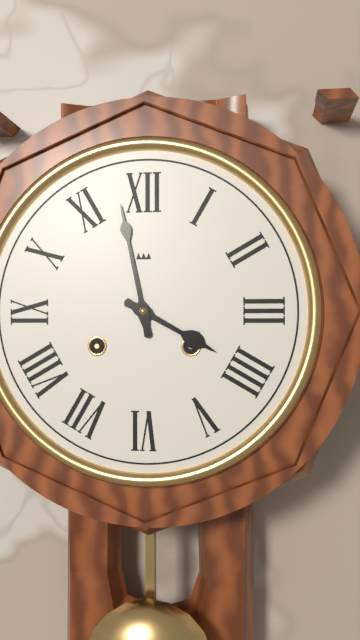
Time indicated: 3:58
